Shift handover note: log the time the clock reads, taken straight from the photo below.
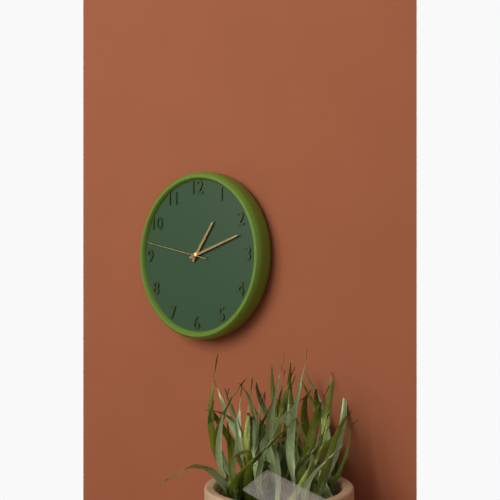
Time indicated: 1:12:47
